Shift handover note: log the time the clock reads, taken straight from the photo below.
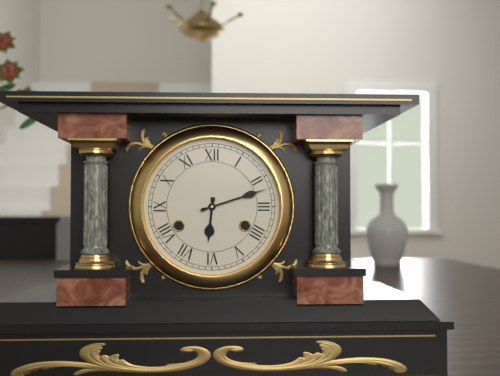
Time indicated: 6:12
